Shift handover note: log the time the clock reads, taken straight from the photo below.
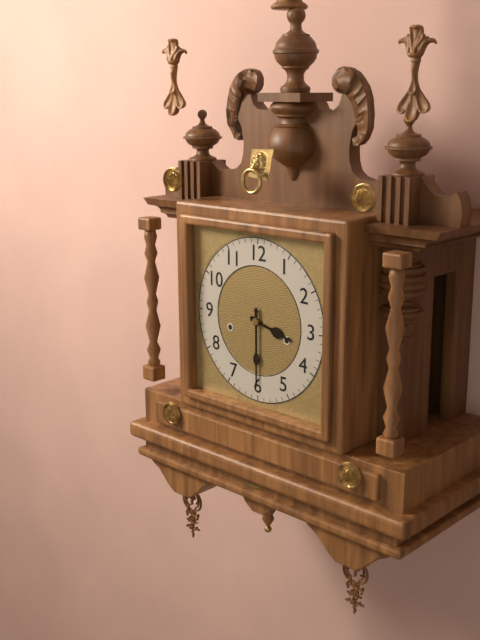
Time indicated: 3:30
